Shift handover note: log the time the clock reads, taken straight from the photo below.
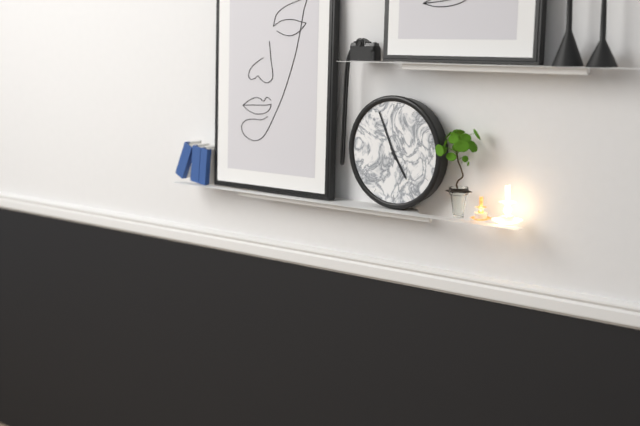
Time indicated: 4:56
